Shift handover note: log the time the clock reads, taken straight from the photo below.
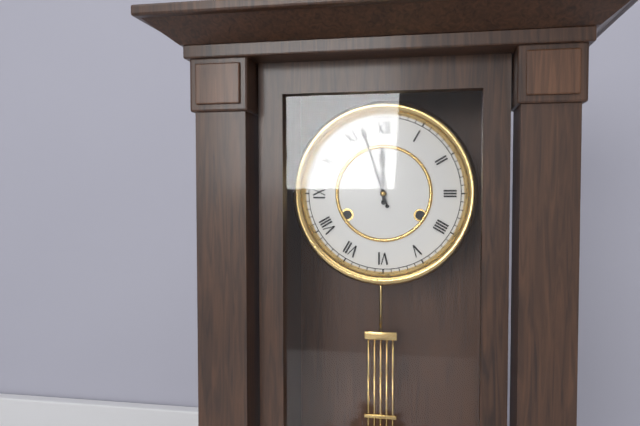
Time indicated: 11:57
